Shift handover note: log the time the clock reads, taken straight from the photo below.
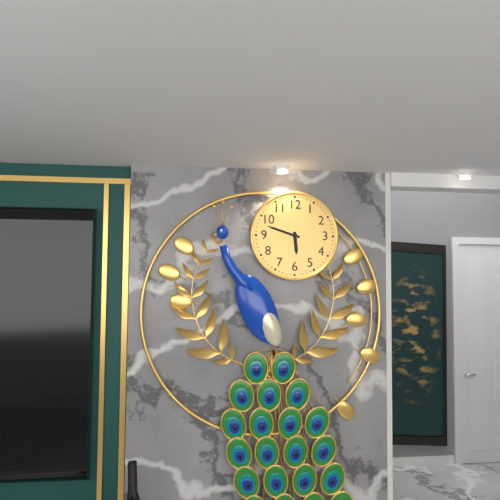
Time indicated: 5:48
